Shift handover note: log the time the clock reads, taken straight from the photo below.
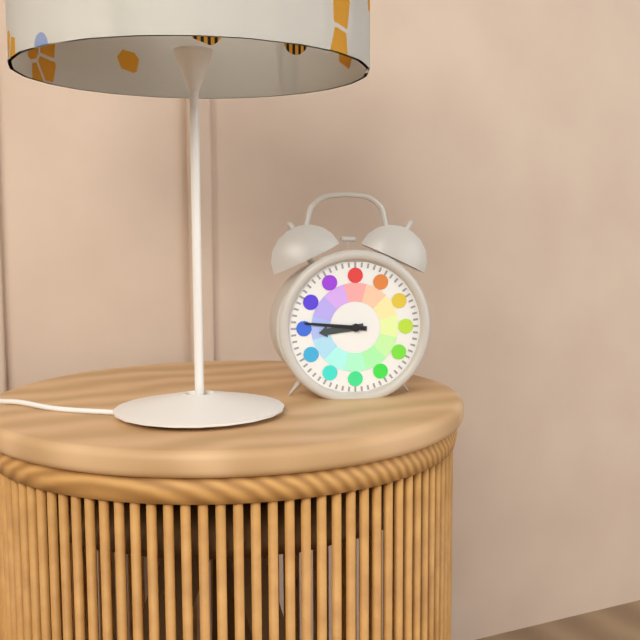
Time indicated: 8:46
